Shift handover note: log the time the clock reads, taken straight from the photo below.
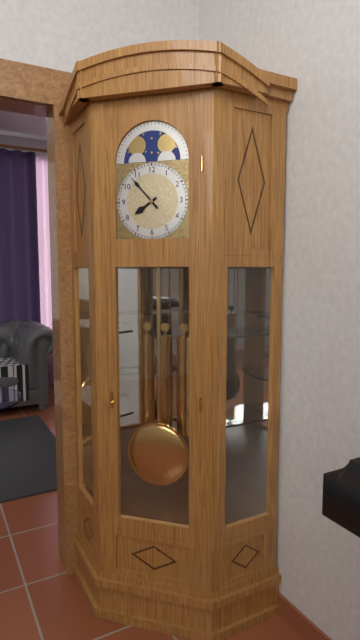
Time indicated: 7:53
